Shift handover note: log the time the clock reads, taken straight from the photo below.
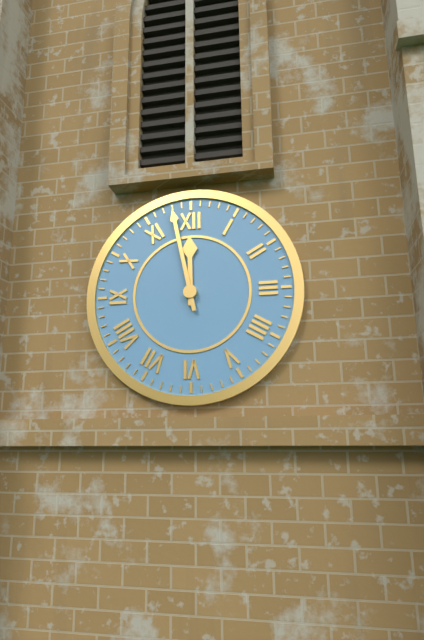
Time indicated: 11:58
